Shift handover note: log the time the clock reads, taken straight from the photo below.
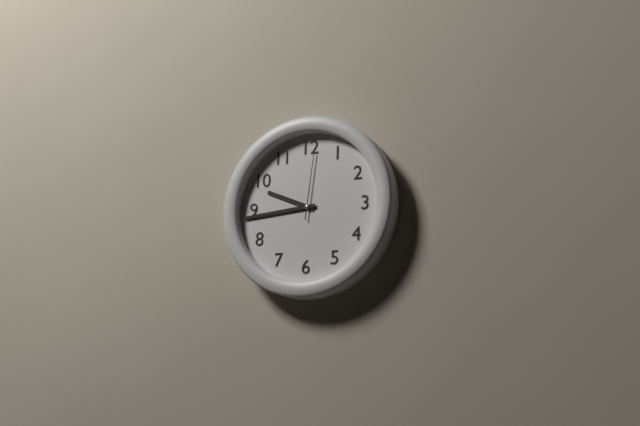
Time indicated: 9:44:01
